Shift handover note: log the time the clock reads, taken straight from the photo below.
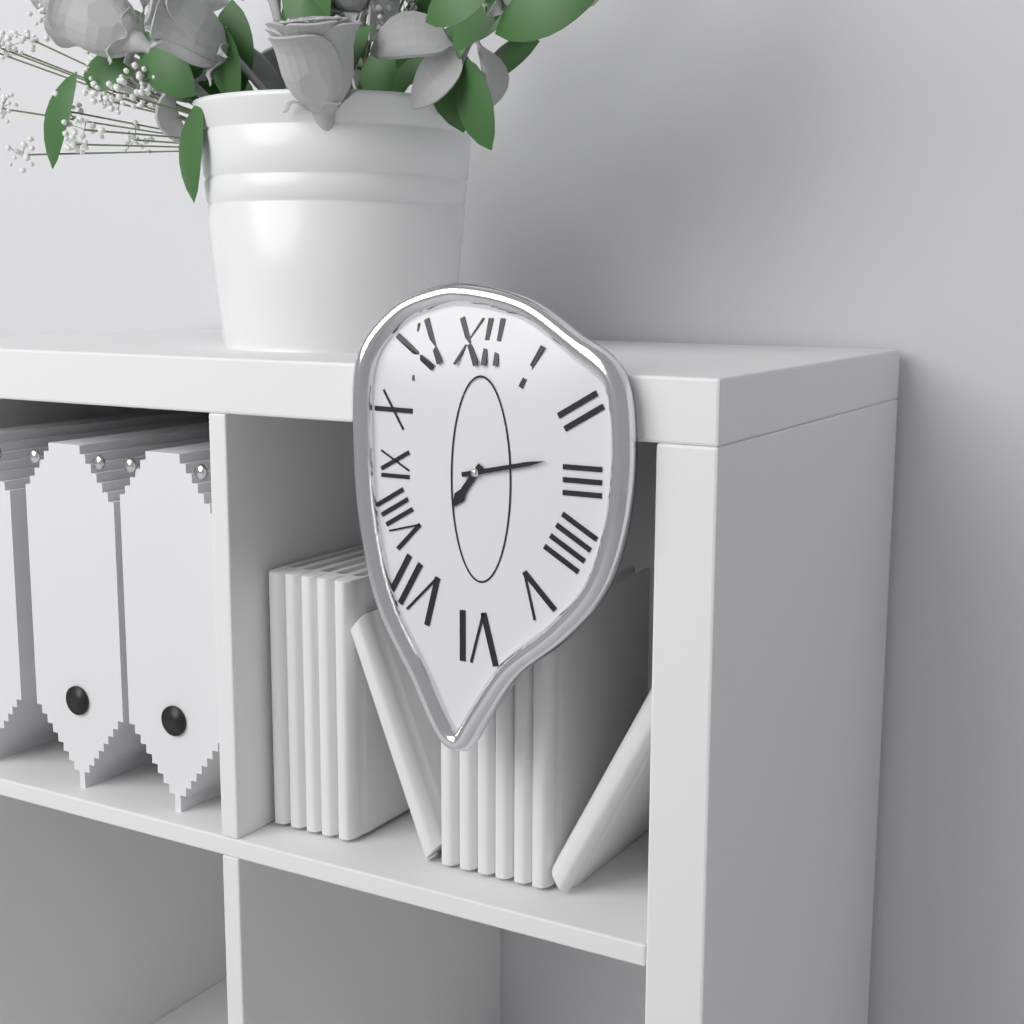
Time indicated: 7:13
